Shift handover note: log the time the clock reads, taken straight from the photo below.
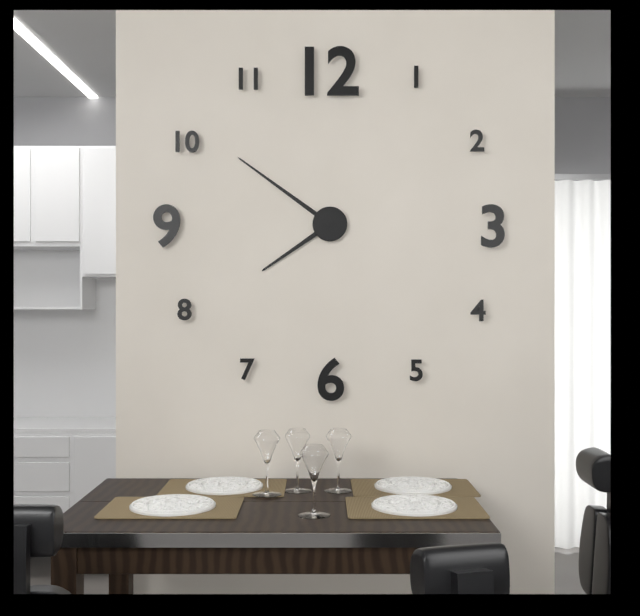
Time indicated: 7:51
